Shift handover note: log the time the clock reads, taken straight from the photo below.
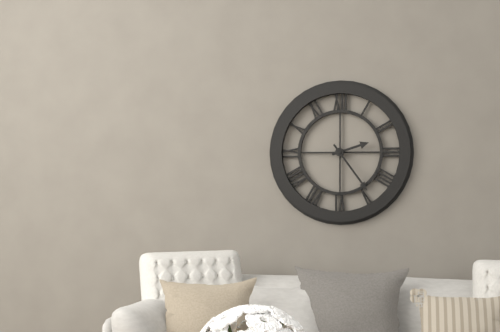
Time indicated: 2:24
